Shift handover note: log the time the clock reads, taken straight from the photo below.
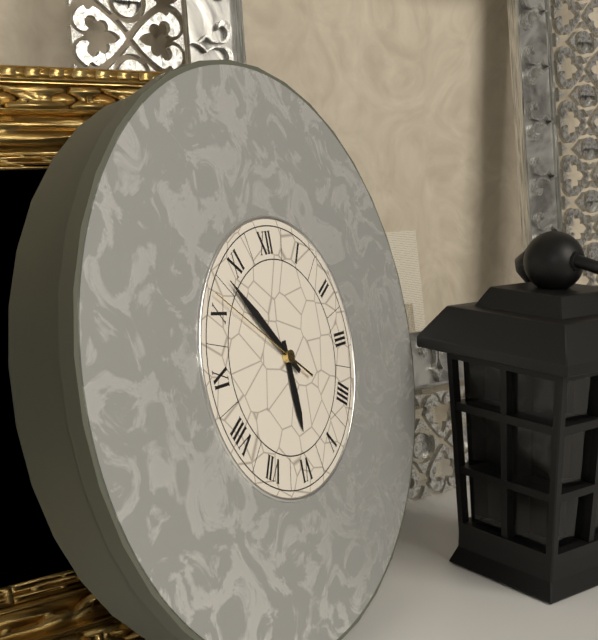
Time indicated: 5:53:51
